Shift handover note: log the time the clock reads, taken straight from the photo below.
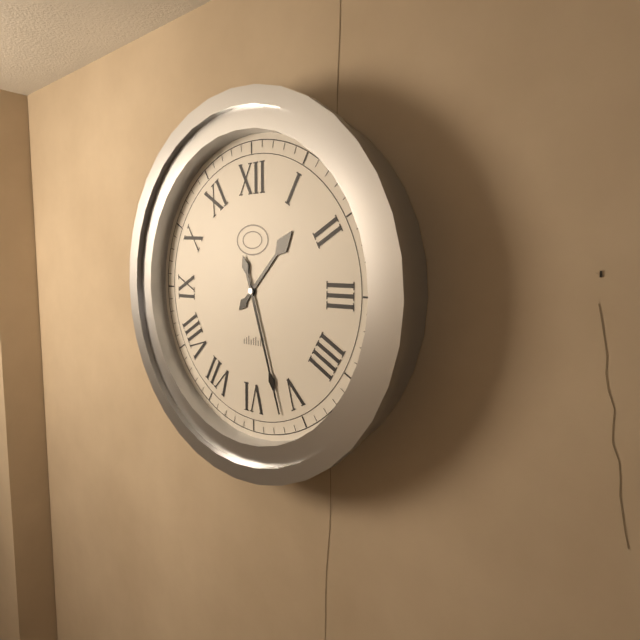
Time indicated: 1:27
